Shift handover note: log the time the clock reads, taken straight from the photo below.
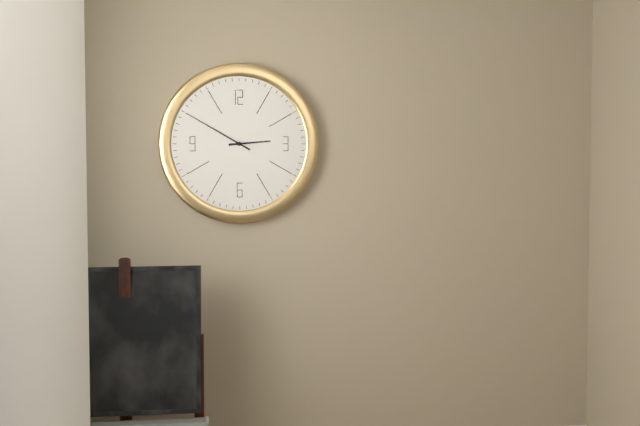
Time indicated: 2:50
